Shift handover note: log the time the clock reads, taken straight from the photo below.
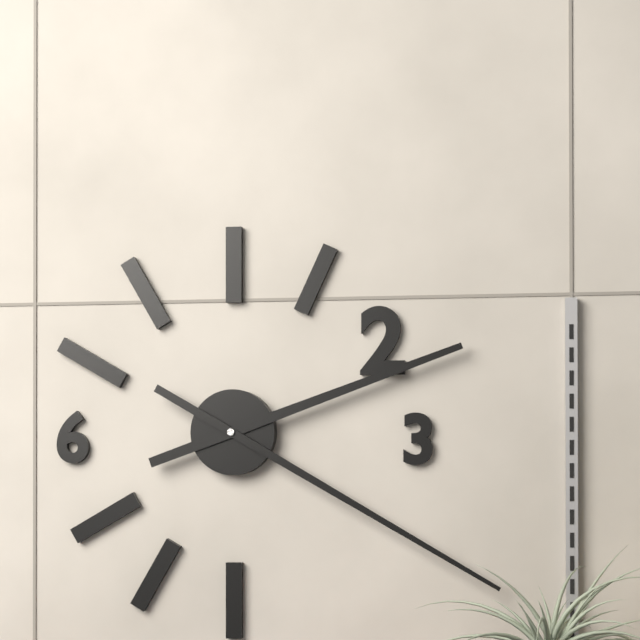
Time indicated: 2:20
